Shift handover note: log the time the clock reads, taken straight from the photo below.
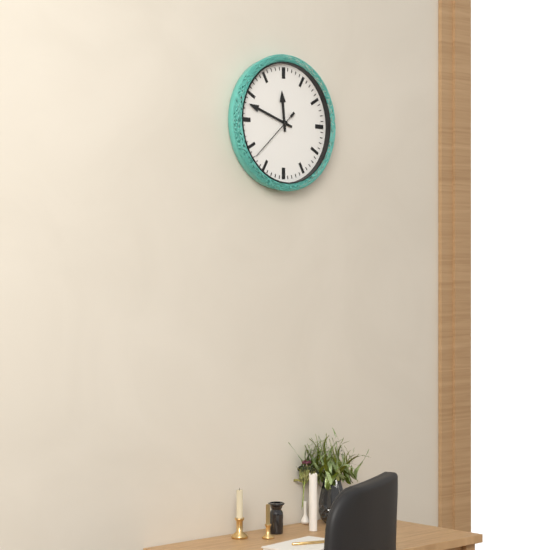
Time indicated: 11:48:38
